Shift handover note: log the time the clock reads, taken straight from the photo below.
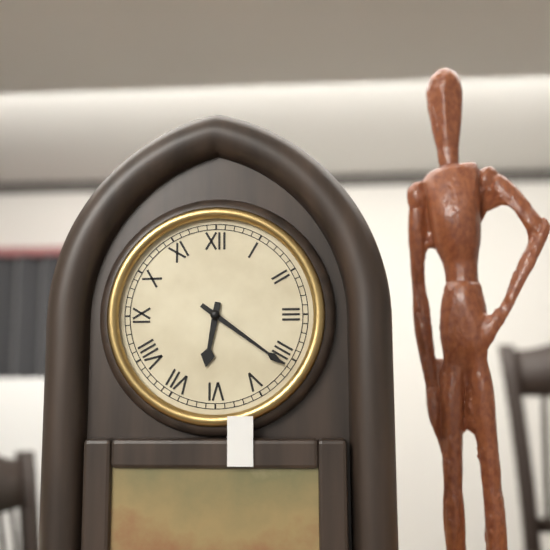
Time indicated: 6:21
